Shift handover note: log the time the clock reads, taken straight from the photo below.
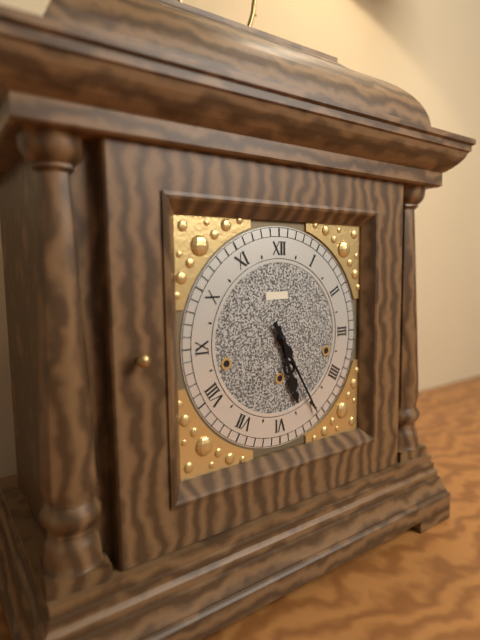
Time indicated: 5:25
